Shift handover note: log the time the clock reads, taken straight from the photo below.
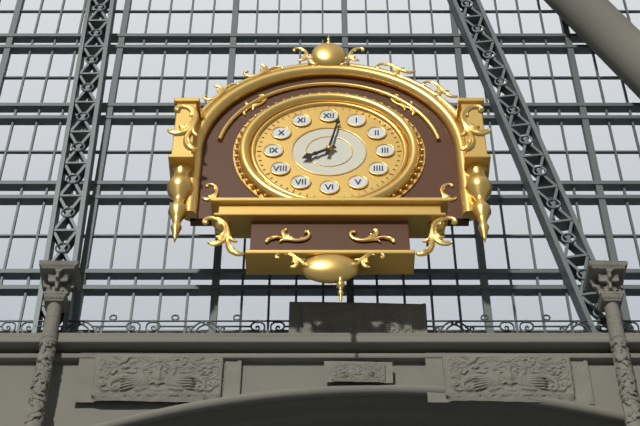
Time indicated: 8:02
